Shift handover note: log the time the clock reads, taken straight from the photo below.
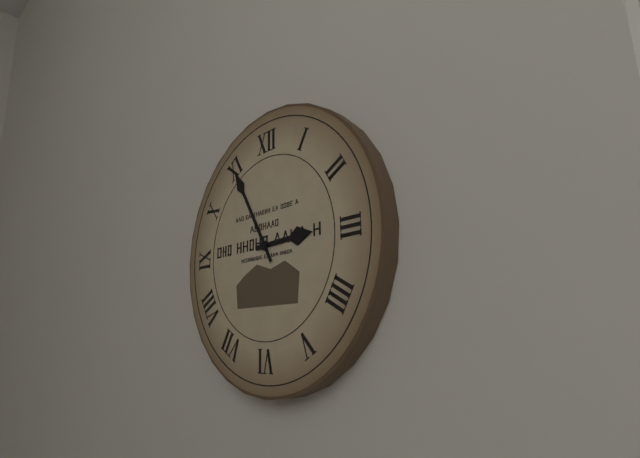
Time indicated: 2:55
